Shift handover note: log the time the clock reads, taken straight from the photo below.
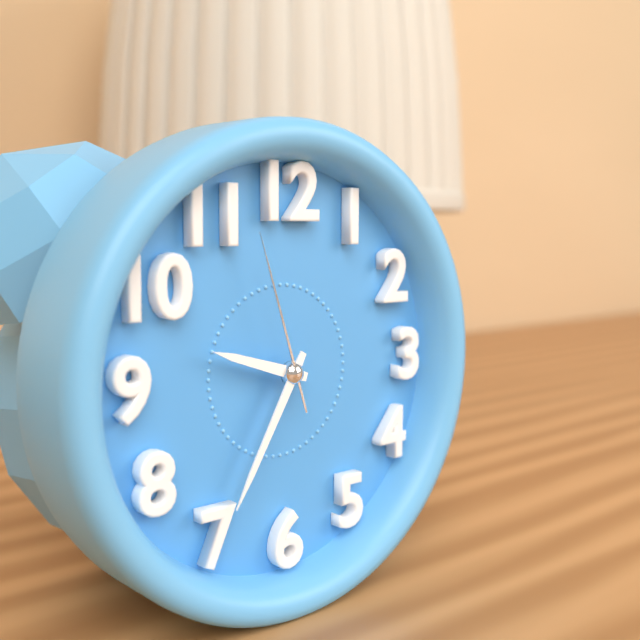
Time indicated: 9:35:57
